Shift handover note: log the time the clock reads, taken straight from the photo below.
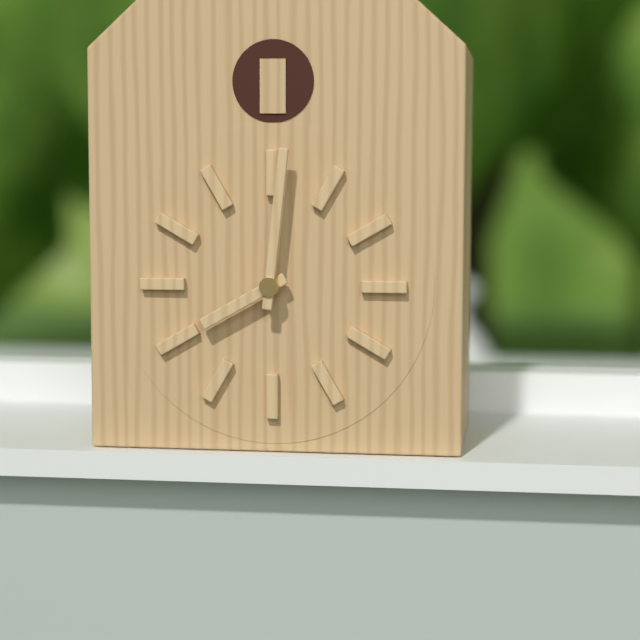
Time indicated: 8:01
